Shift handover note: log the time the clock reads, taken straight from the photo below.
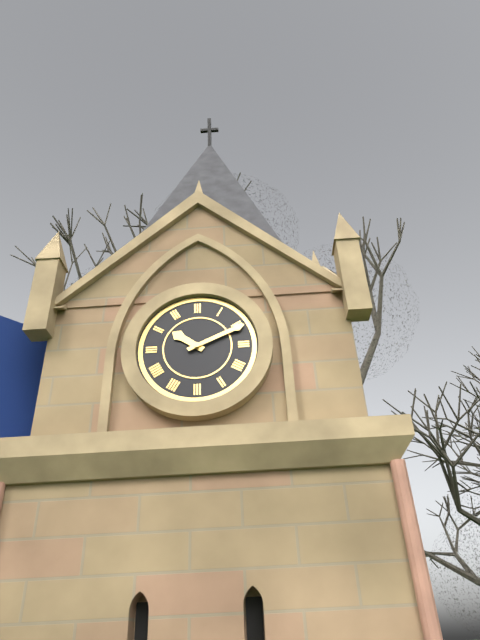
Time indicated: 10:11
